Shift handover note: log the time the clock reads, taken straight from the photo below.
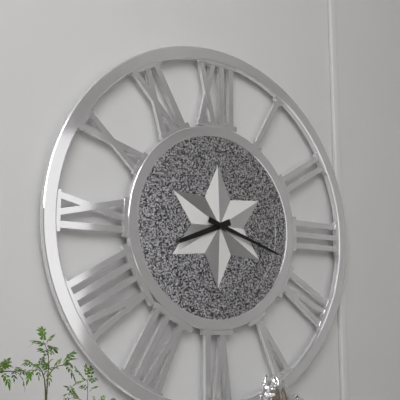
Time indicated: 8:18
